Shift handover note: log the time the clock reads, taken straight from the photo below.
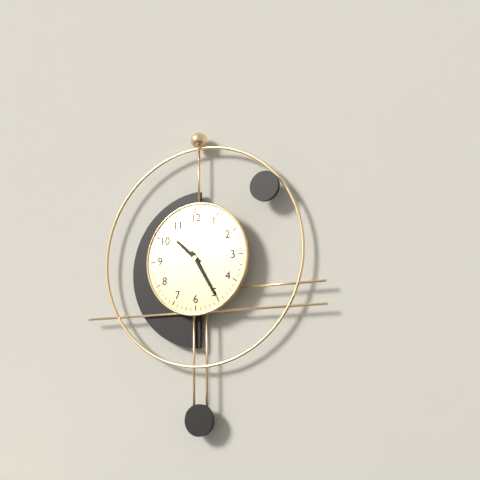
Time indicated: 10:25
